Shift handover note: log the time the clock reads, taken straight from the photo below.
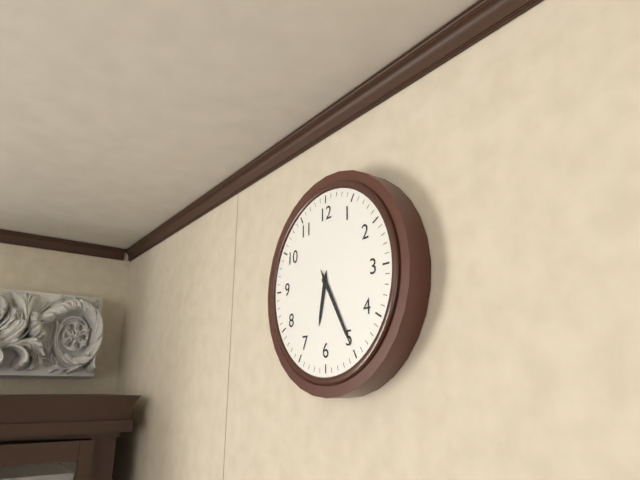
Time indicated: 6:25
